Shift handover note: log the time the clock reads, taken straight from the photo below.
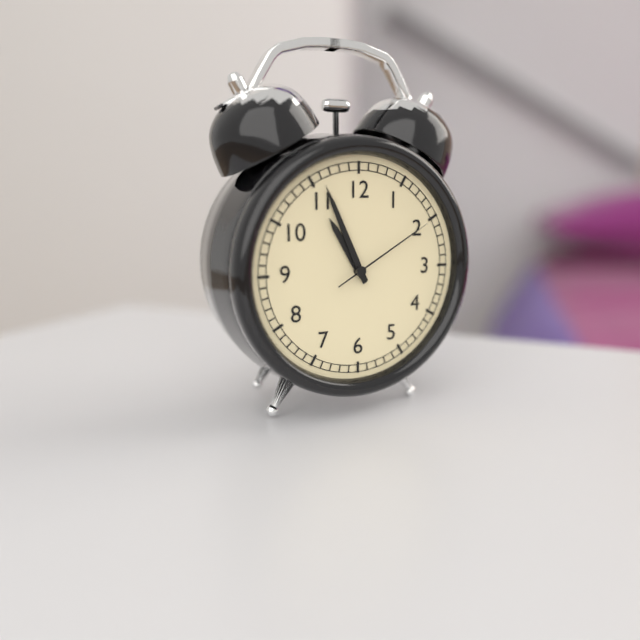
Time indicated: 10:56:10
